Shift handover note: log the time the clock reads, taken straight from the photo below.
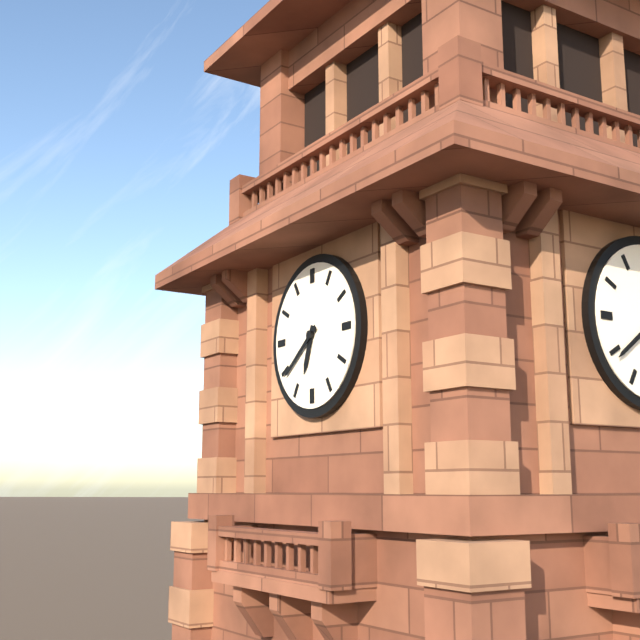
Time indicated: 6:39
